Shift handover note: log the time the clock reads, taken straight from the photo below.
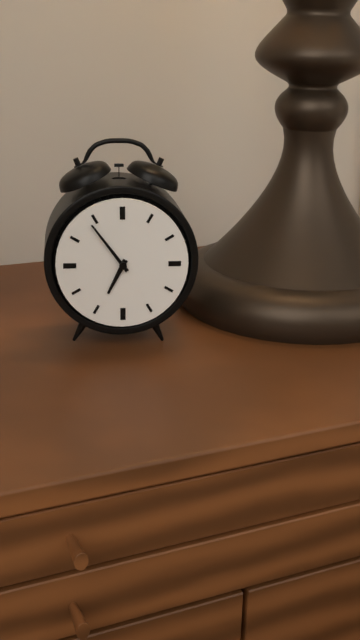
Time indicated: 6:54
